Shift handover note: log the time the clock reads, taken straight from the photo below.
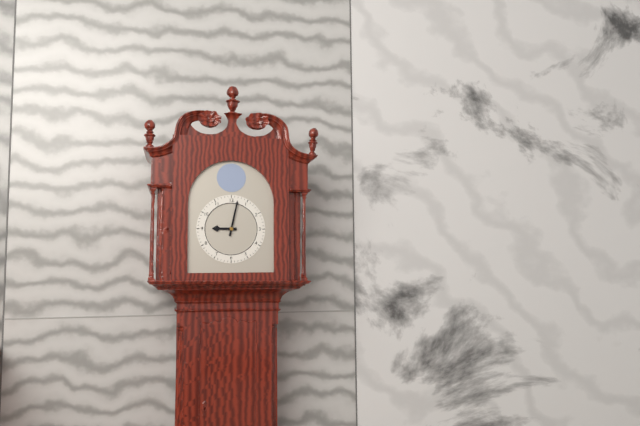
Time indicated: 9:02
